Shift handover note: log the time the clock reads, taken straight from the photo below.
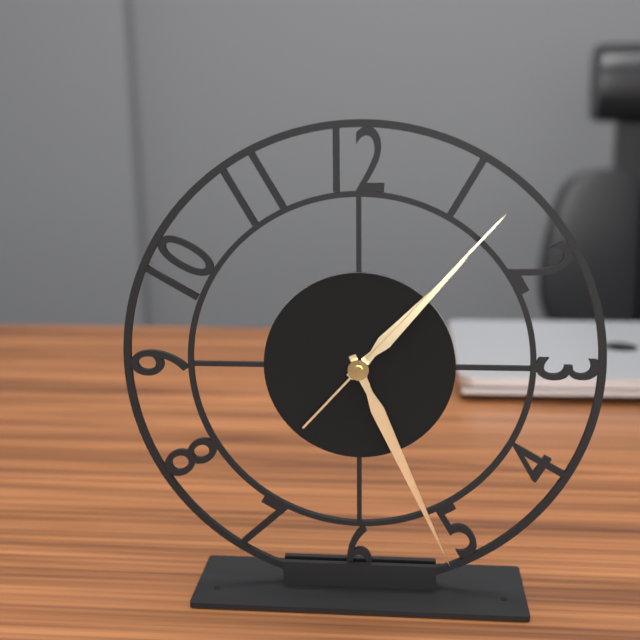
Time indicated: 1:26:07
